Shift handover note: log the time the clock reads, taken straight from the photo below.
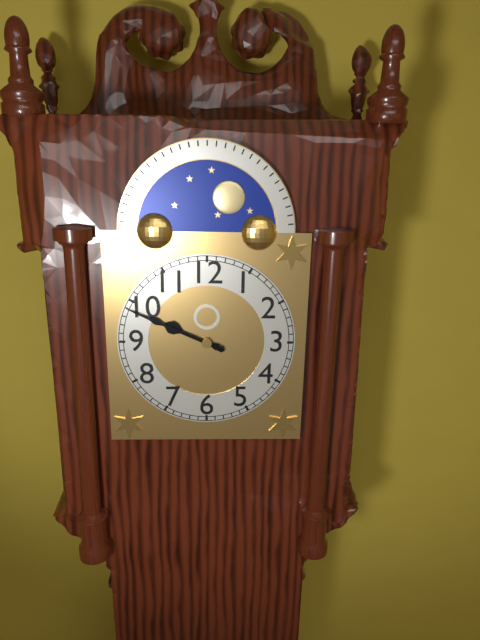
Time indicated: 9:49
